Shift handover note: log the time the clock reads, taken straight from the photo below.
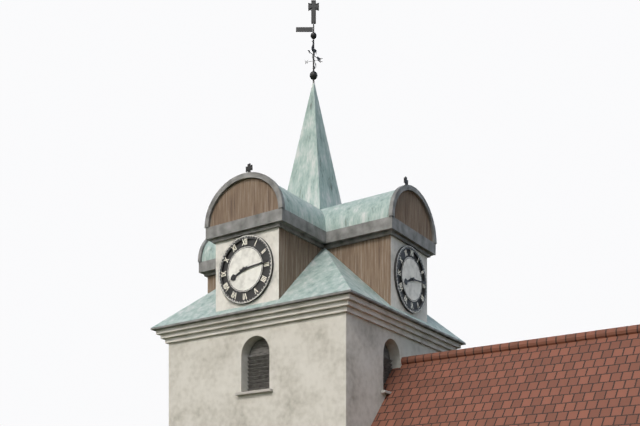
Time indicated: 8:14
